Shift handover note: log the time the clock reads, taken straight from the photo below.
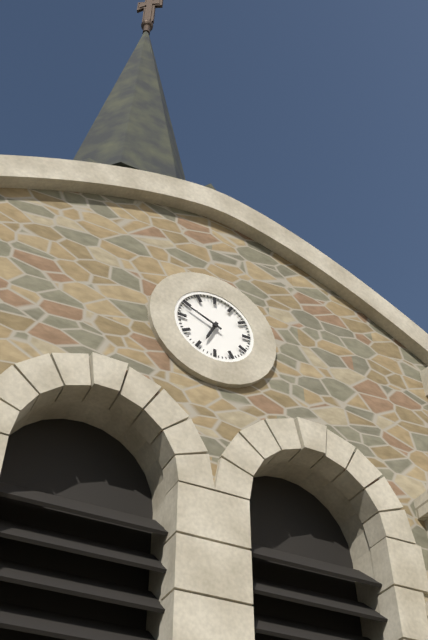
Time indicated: 6:49
